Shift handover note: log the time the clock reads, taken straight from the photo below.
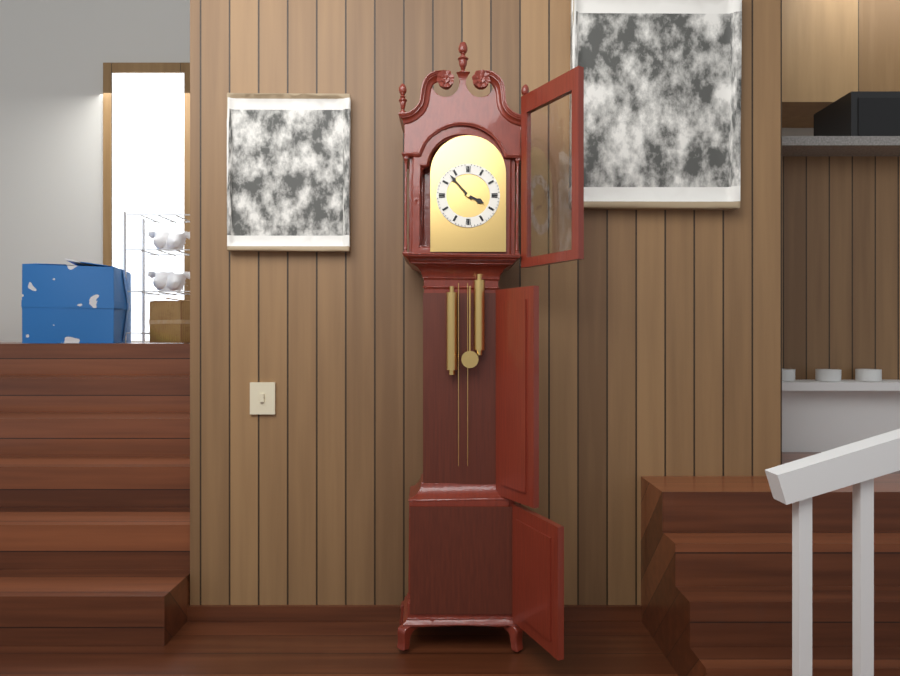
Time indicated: 3:53
